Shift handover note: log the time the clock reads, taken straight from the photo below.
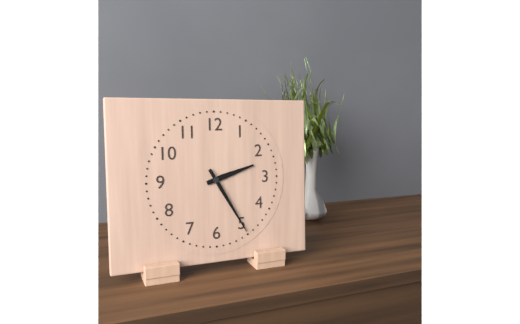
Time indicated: 2:25
